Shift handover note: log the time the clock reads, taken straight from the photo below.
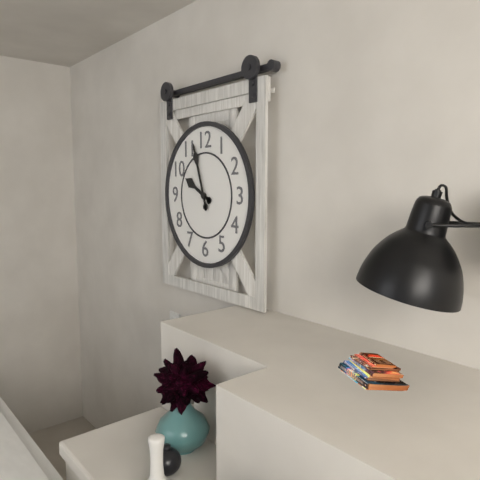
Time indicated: 9:57
